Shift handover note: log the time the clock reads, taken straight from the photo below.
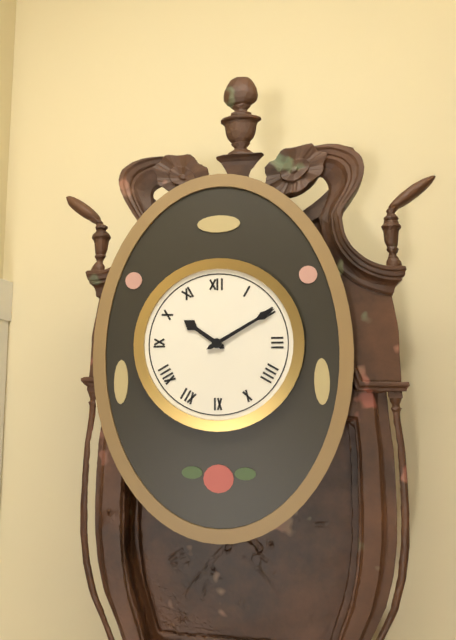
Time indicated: 10:10
